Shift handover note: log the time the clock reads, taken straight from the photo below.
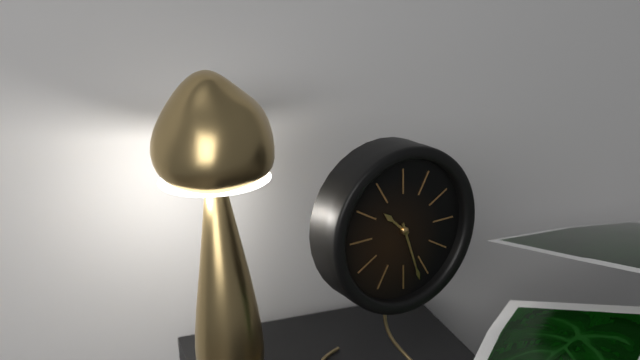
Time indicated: 10:27
